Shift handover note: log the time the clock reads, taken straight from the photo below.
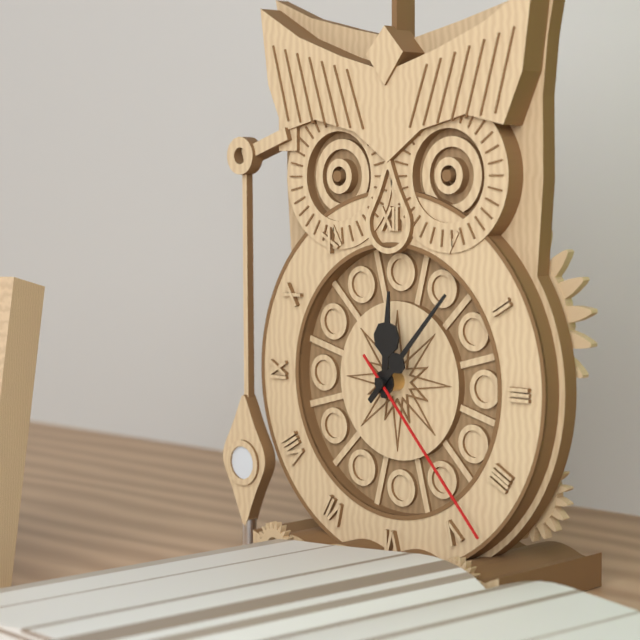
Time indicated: 12:07:23
